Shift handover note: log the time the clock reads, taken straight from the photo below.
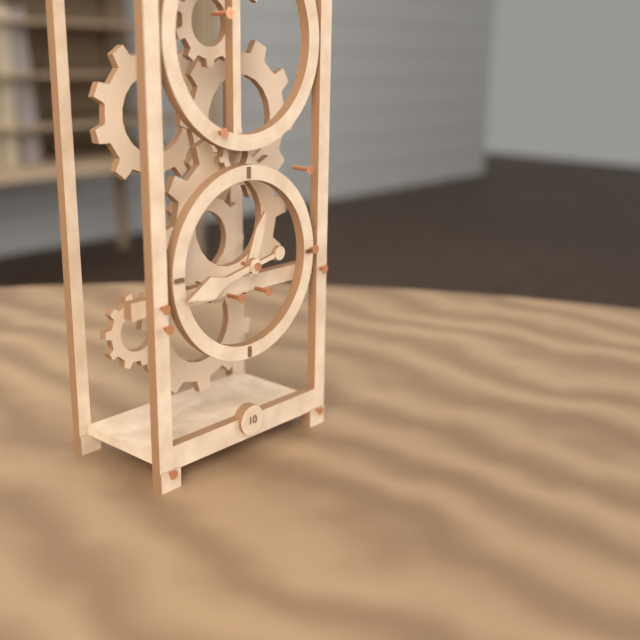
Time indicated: 12:43
